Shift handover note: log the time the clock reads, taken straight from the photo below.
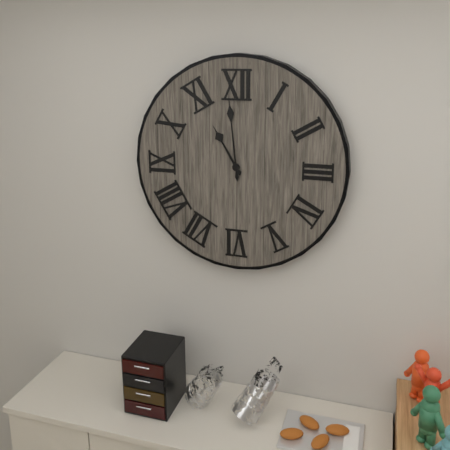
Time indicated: 10:59
